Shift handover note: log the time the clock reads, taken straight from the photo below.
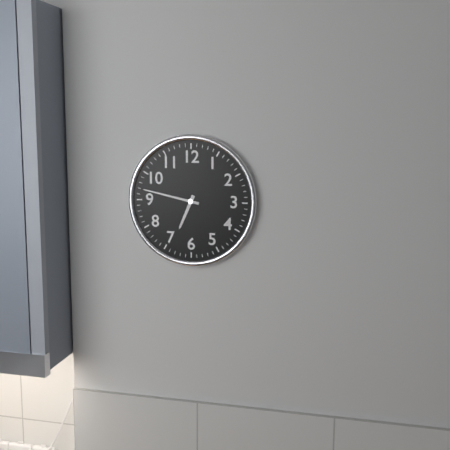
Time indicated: 6:47
